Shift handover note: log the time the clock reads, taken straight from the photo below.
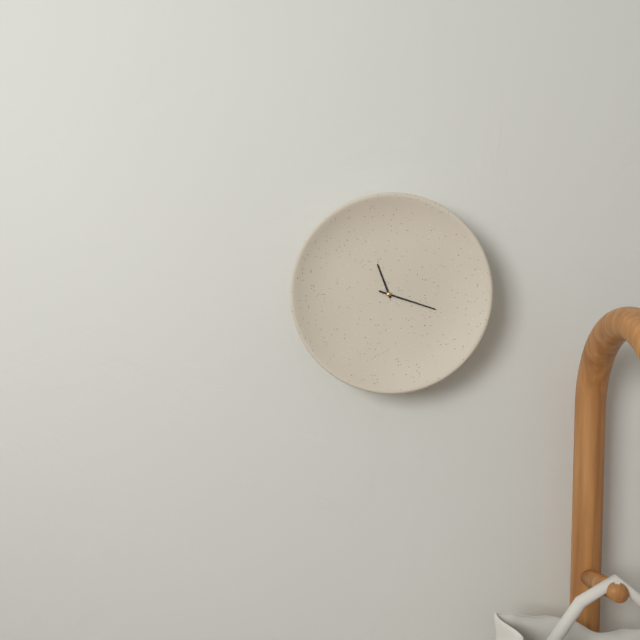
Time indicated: 11:18
